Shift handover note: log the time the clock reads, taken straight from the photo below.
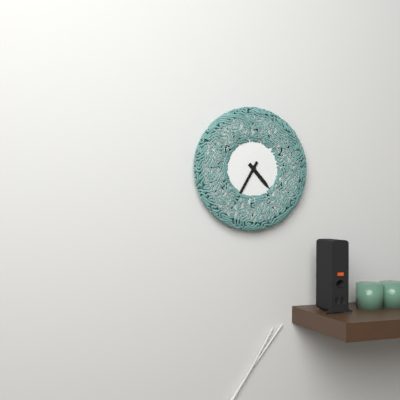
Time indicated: 4:35
